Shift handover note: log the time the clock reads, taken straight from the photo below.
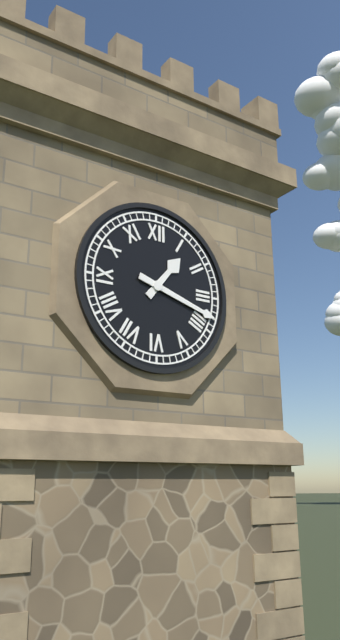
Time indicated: 1:18
